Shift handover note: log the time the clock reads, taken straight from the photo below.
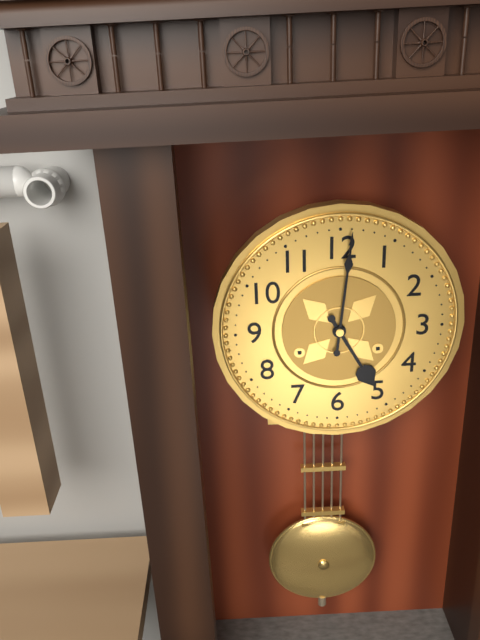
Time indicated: 5:01
